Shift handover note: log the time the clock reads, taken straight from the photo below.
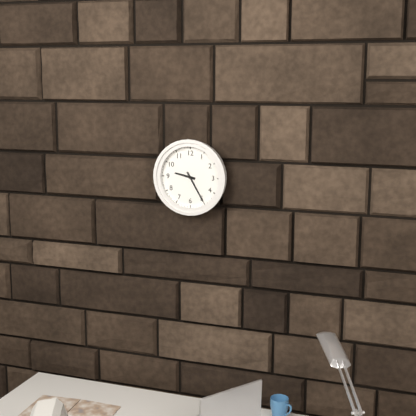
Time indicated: 9:25
